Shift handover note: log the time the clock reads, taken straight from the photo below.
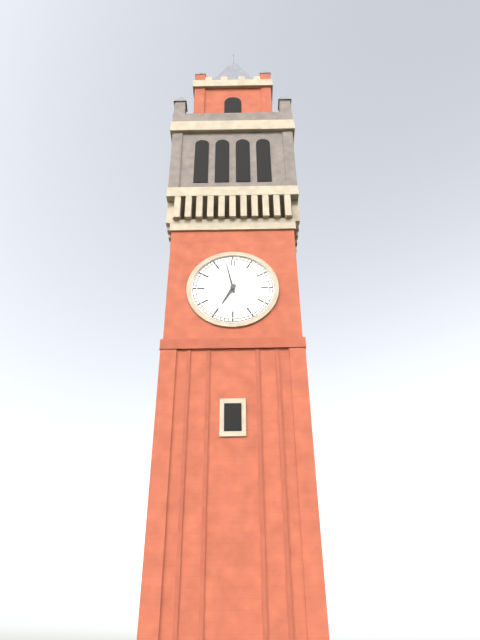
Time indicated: 6:58
